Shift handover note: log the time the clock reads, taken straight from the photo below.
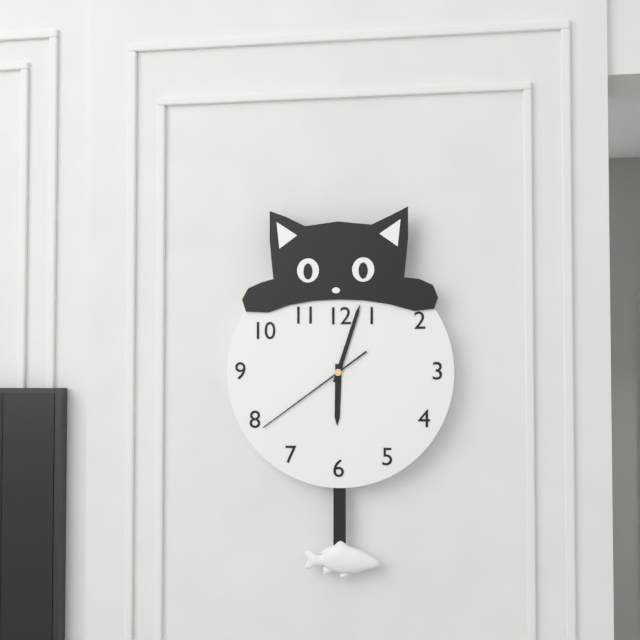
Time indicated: 6:03:39
